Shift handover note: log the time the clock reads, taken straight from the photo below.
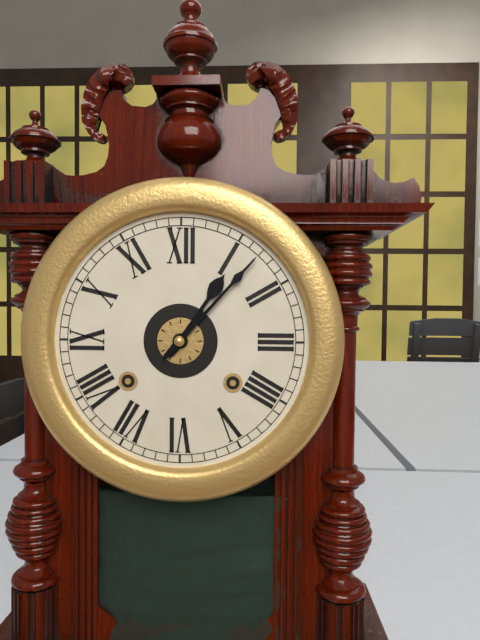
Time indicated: 1:07
